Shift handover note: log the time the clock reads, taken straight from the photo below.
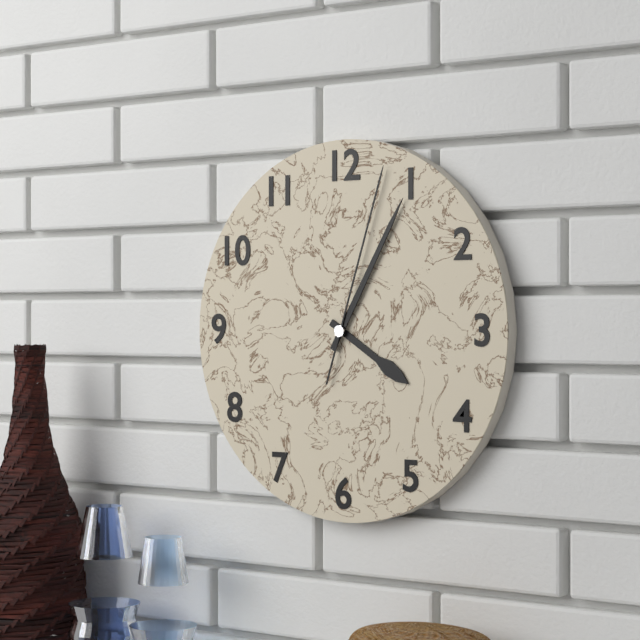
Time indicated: 4:05:03
